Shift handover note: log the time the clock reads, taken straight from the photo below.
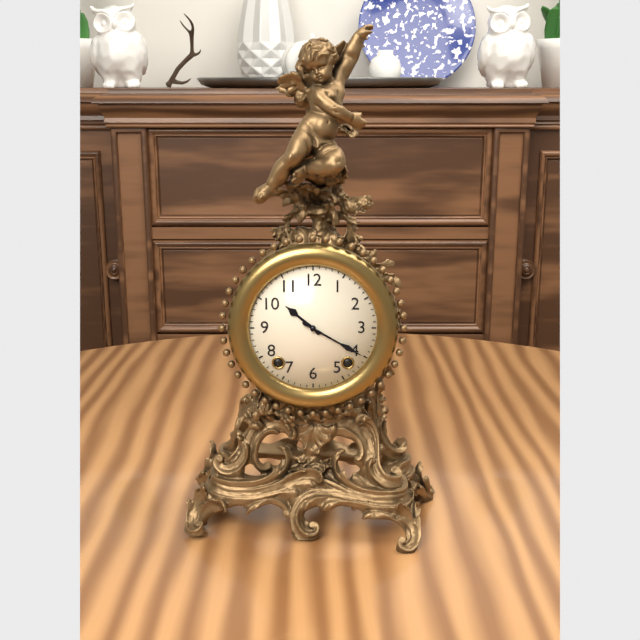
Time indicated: 10:20
